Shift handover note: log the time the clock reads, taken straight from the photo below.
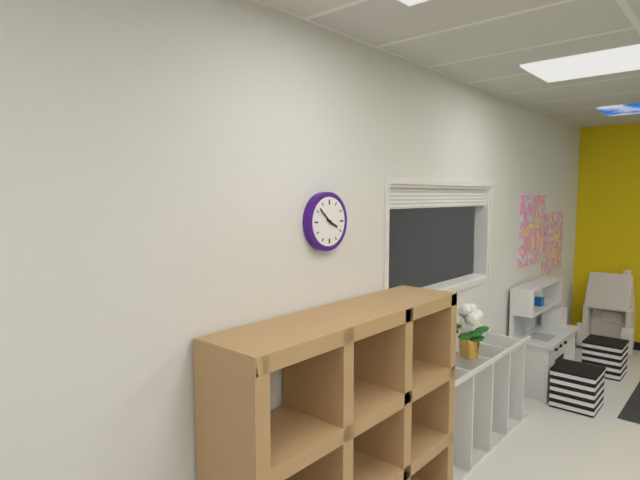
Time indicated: 3:52
